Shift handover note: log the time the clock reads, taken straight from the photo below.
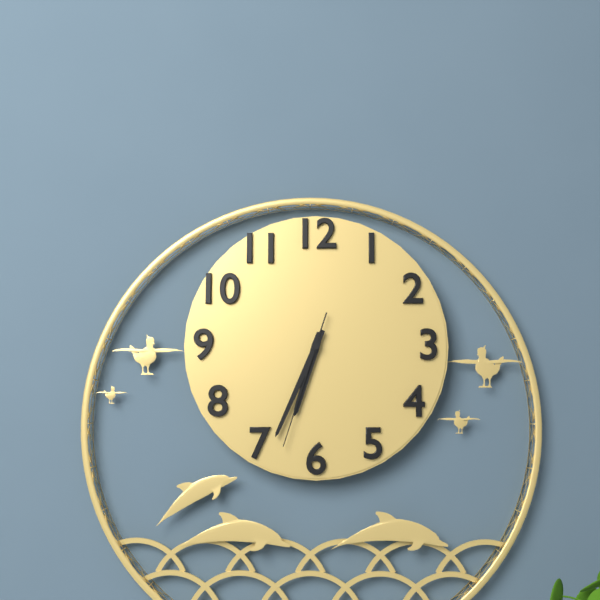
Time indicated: 6:34:33
